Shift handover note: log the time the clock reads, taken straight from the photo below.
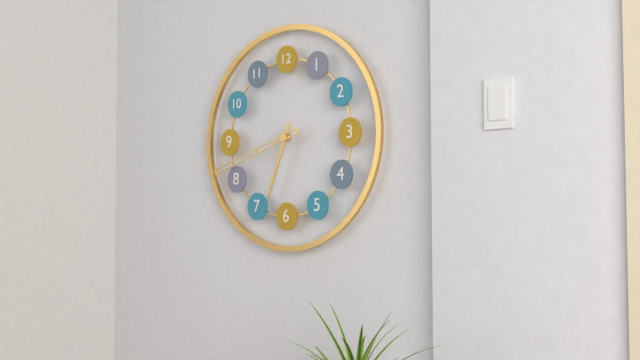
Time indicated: 6:42
